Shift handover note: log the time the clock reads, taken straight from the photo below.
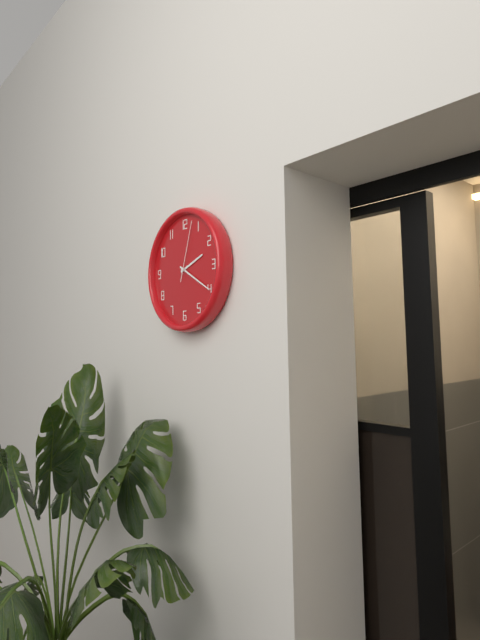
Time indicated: 2:20:03
